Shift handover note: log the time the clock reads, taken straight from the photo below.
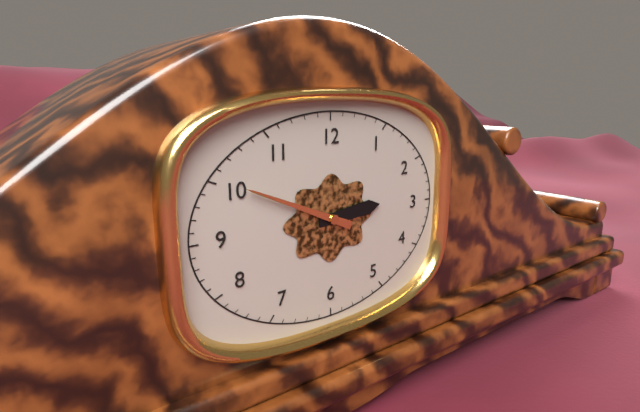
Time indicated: 2:49
